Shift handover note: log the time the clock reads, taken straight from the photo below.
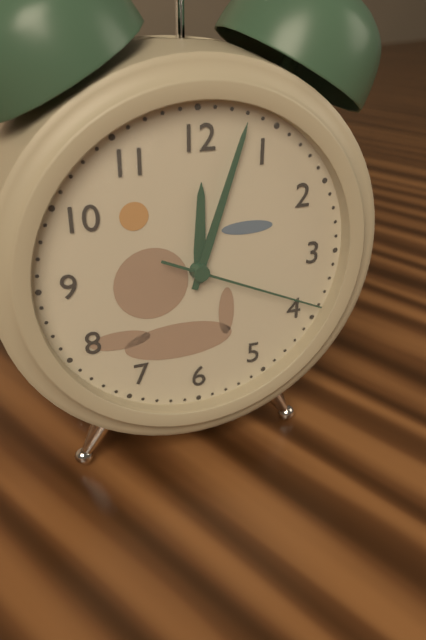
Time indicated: 12:03:19
